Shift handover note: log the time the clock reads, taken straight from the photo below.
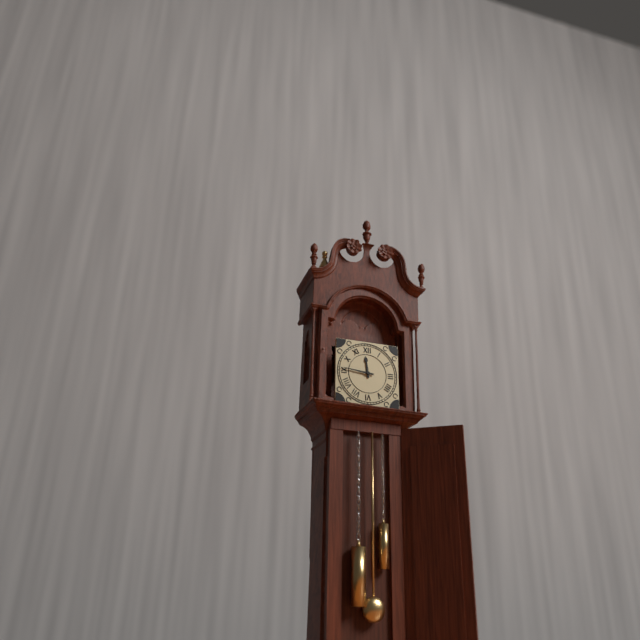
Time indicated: 11:46
